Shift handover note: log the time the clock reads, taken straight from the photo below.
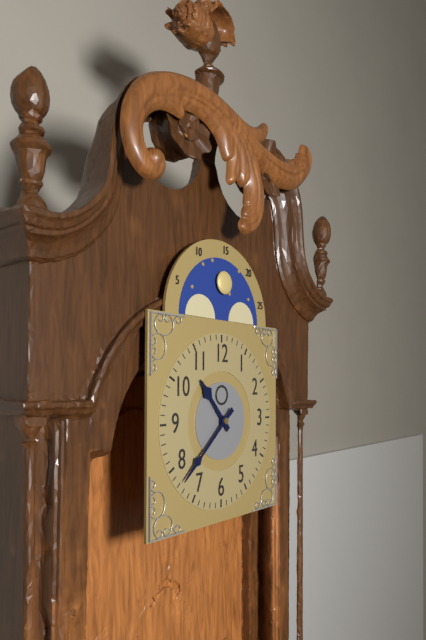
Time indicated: 10:38
